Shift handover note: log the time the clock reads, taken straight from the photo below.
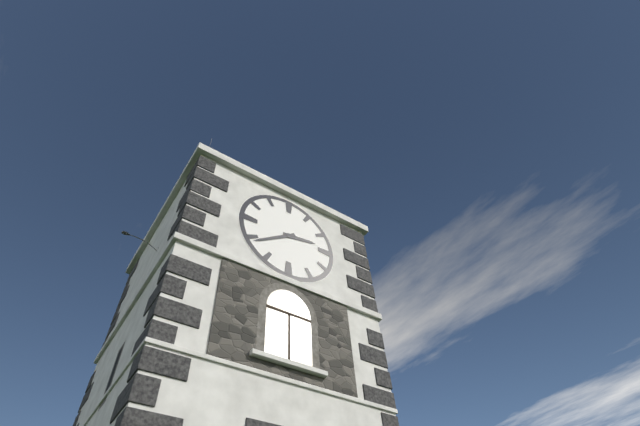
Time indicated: 2:39
